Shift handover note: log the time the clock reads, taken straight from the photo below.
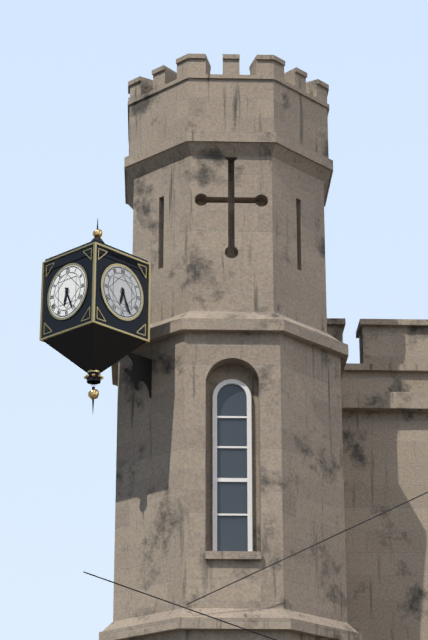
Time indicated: 6:26
